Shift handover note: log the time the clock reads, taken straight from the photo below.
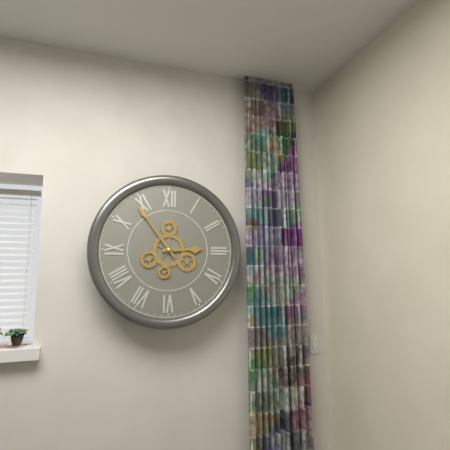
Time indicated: 2:54
